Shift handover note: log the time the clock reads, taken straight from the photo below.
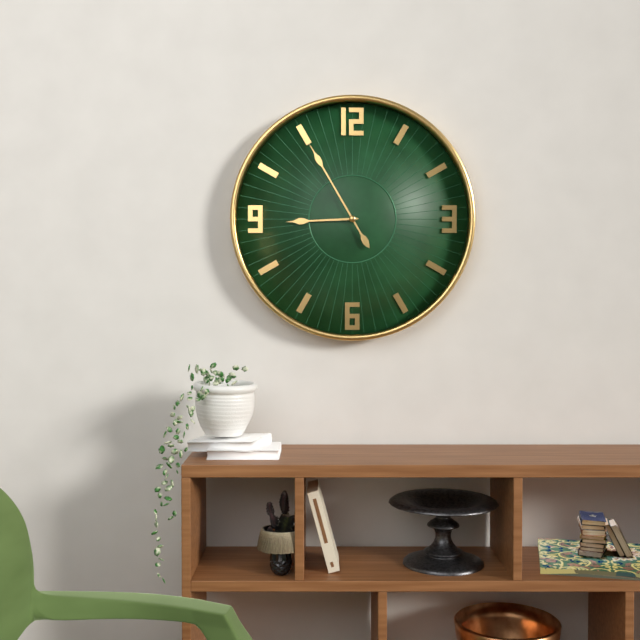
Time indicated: 8:55
